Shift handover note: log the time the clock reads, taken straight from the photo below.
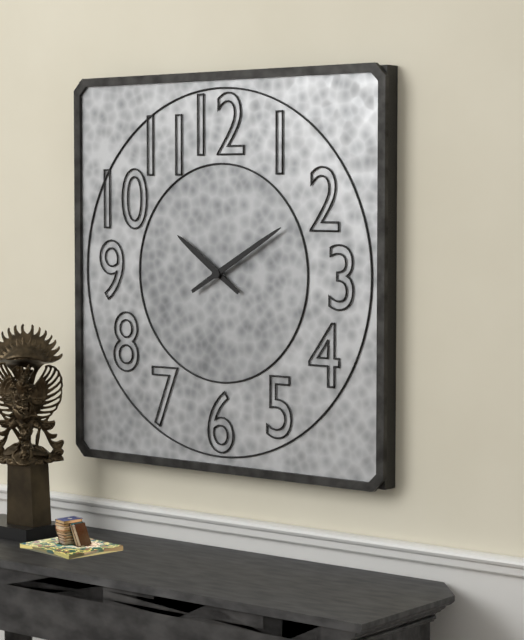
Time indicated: 10:10
